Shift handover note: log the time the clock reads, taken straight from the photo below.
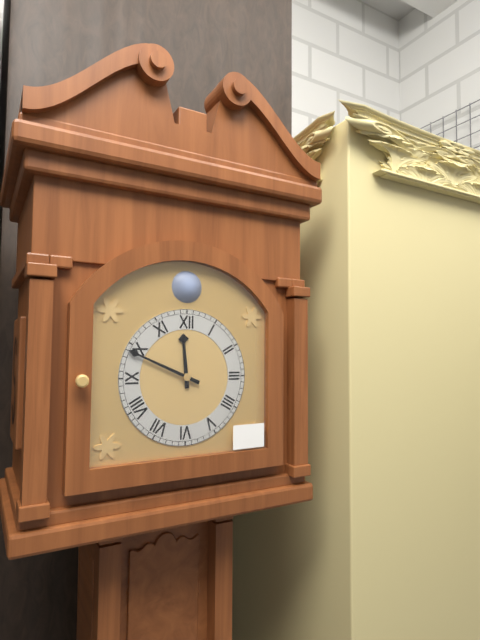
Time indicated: 11:49
